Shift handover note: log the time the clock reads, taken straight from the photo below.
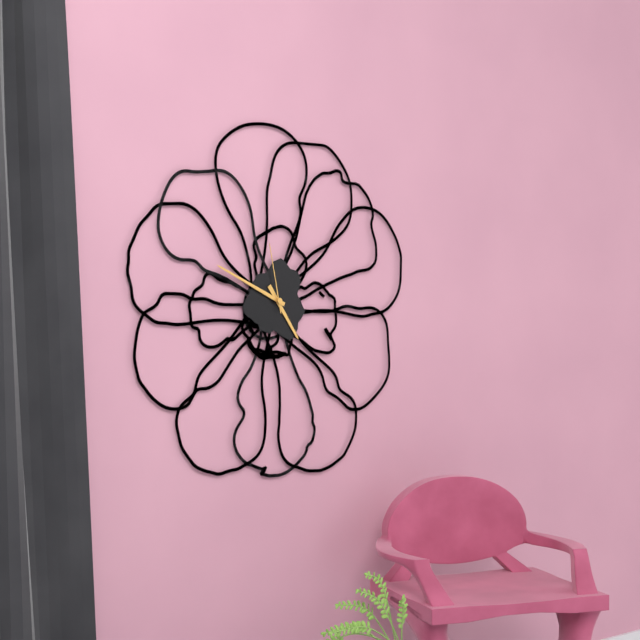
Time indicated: 4:49:58
